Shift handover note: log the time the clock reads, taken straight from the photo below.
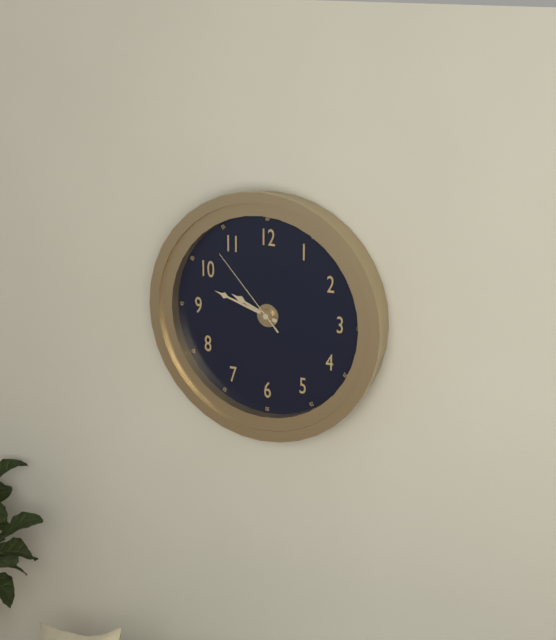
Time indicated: 9:48:53
